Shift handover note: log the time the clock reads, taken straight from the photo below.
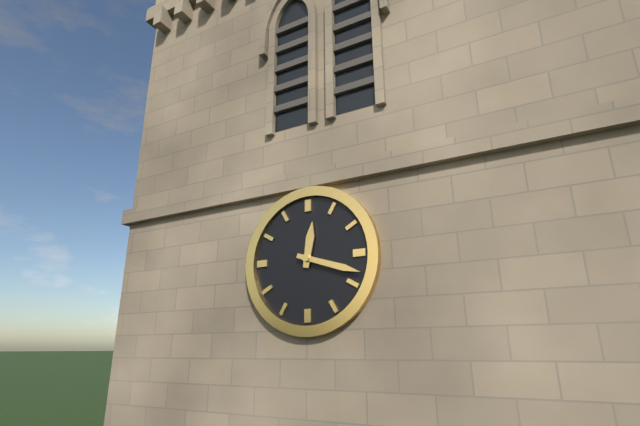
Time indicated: 12:18
